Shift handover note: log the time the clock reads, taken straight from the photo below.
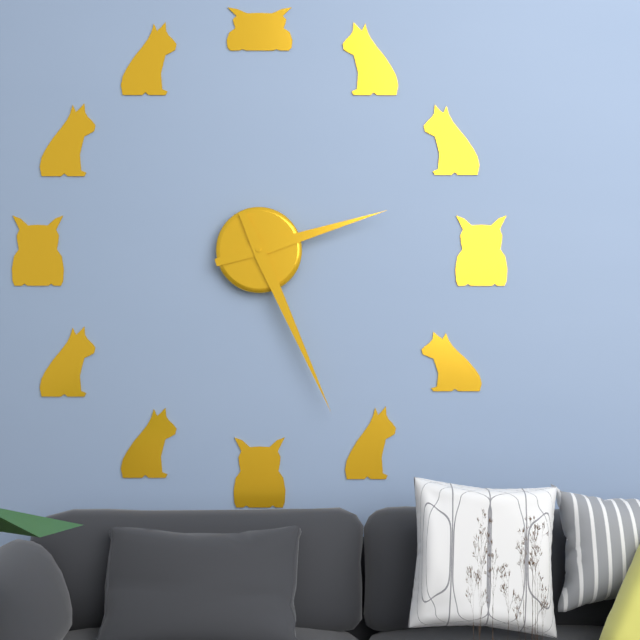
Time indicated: 2:26
